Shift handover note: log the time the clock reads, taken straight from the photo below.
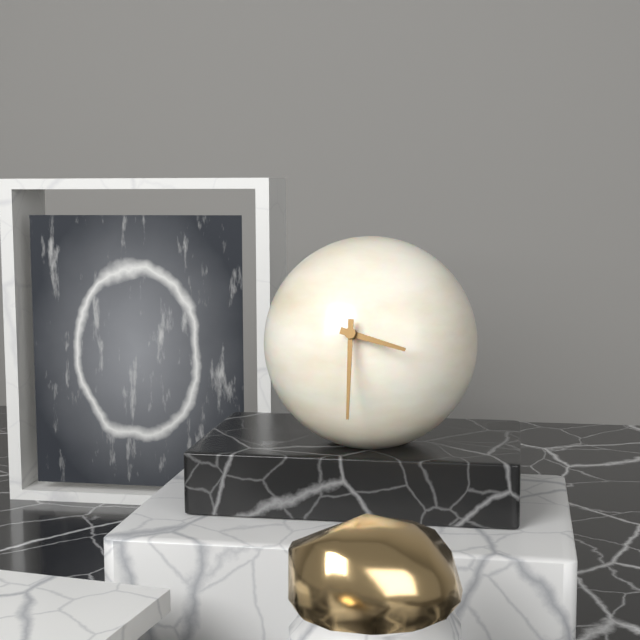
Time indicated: 3:30
